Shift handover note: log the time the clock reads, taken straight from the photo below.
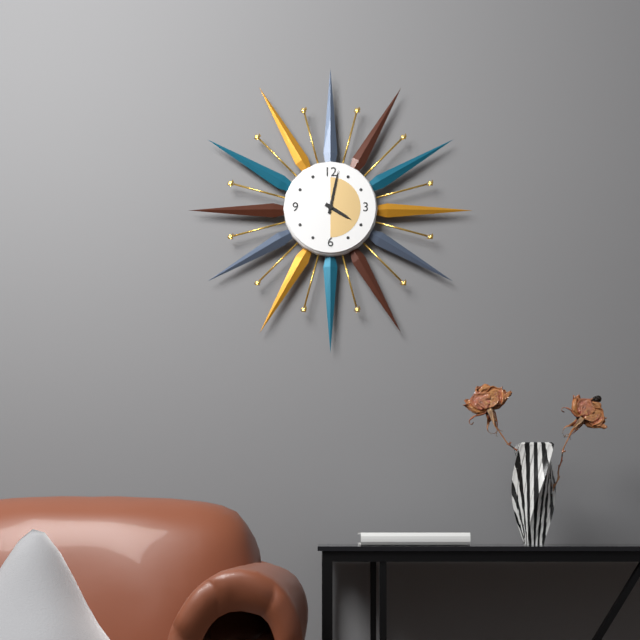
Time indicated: 4:02
